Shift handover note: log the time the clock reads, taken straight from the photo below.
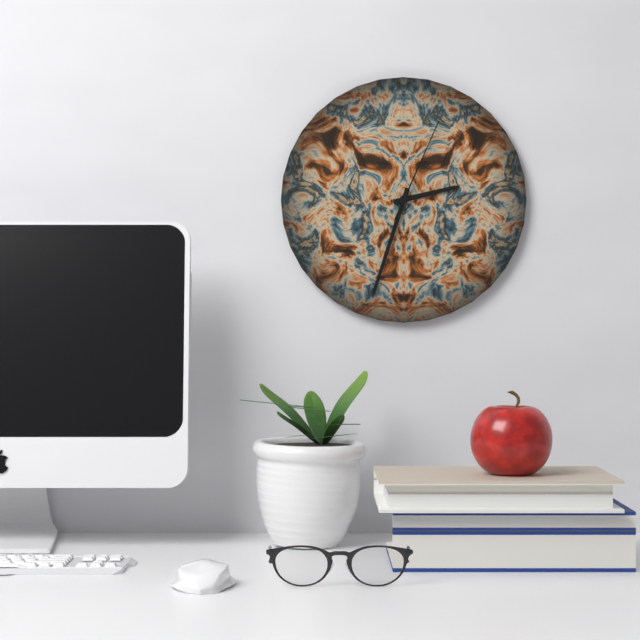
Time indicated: 2:33:04
